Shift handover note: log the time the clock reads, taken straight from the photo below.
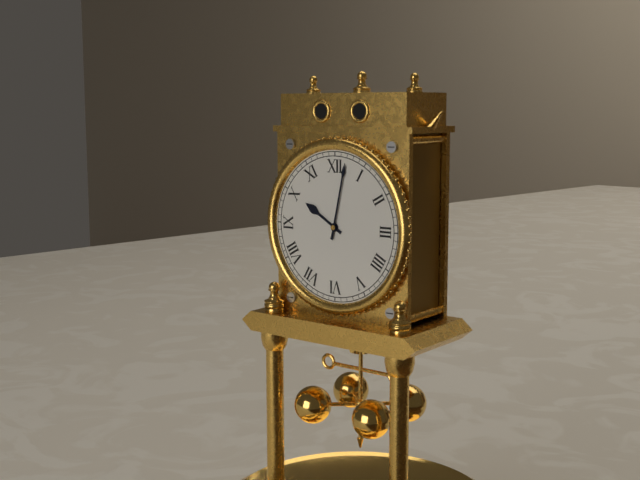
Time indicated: 10:02
